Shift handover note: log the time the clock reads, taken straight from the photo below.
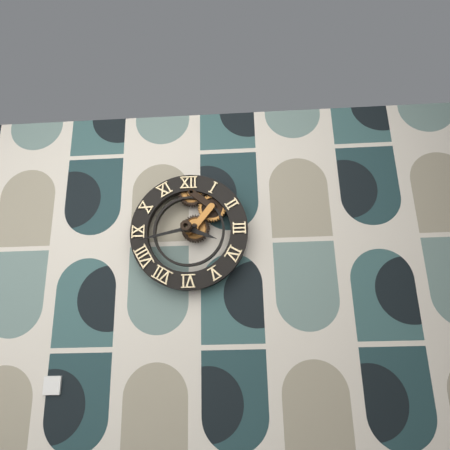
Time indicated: 3:43
